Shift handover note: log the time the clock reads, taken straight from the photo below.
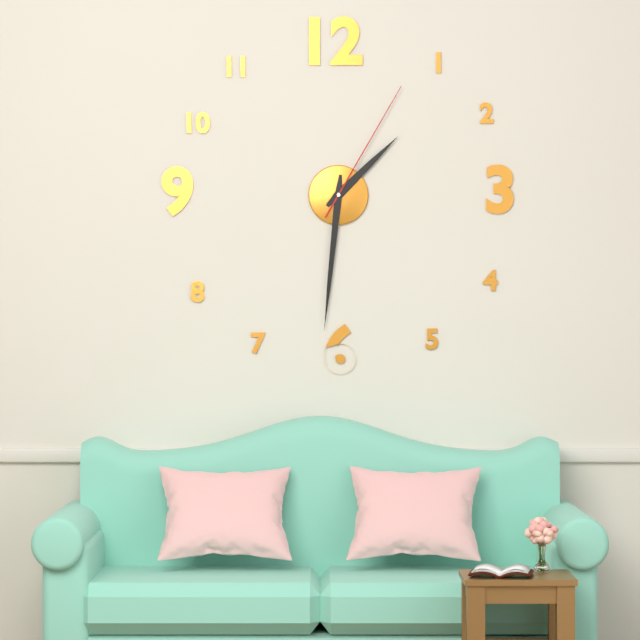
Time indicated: 1:31:05
